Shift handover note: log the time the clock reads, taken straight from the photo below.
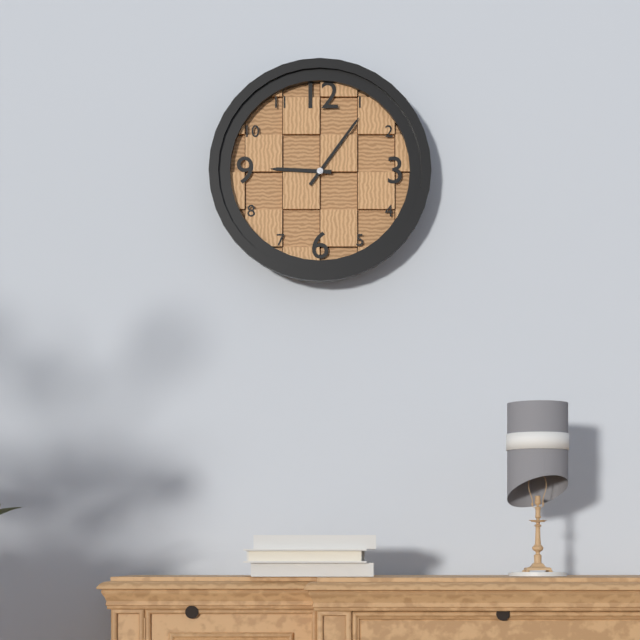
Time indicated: 9:06
